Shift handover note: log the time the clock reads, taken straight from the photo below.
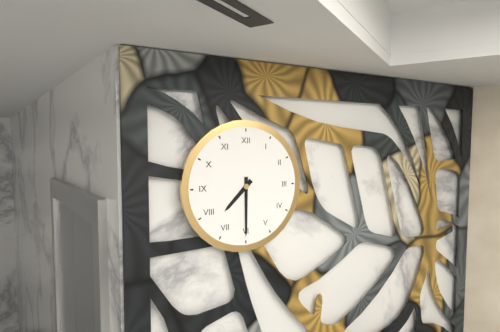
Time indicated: 7:30
